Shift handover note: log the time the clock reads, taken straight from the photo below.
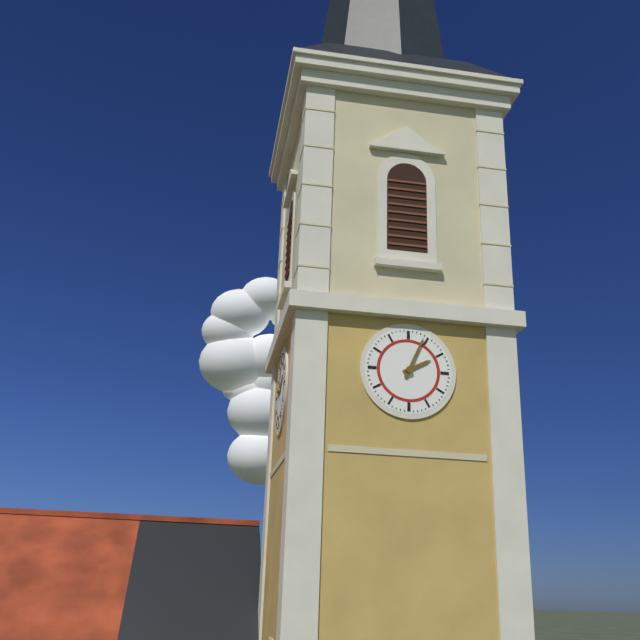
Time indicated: 2:04
